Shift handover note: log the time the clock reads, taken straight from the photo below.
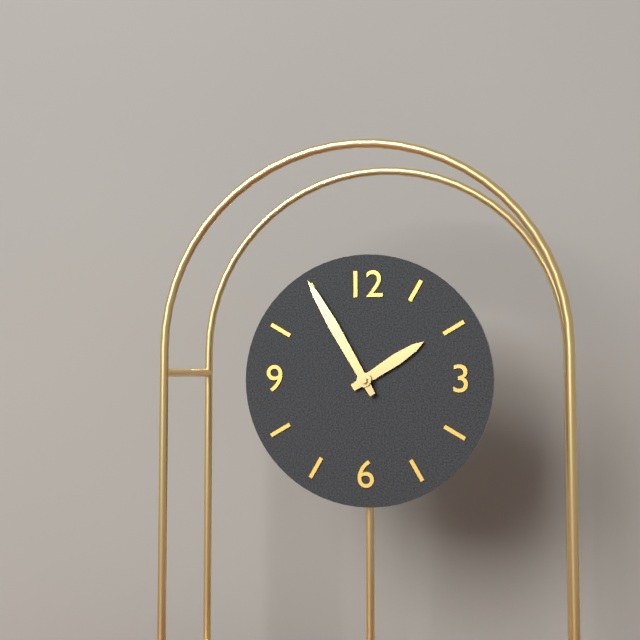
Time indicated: 1:55
